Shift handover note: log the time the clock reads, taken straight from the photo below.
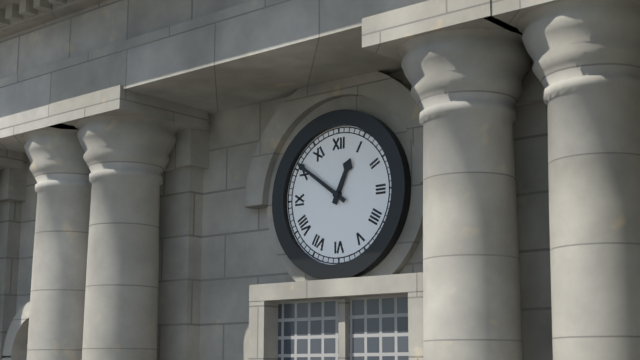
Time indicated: 12:51
